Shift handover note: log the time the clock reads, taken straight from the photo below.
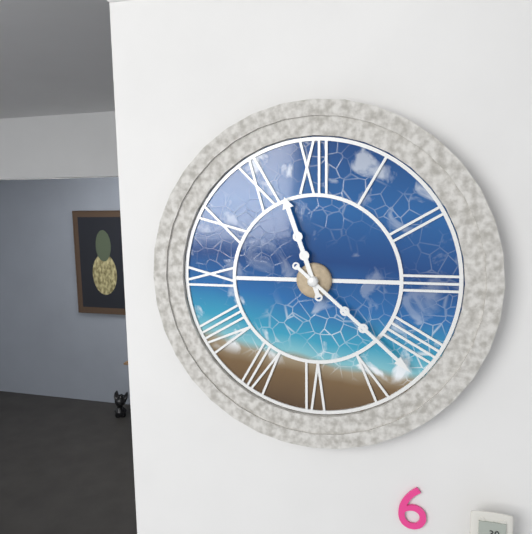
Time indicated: 11:22
